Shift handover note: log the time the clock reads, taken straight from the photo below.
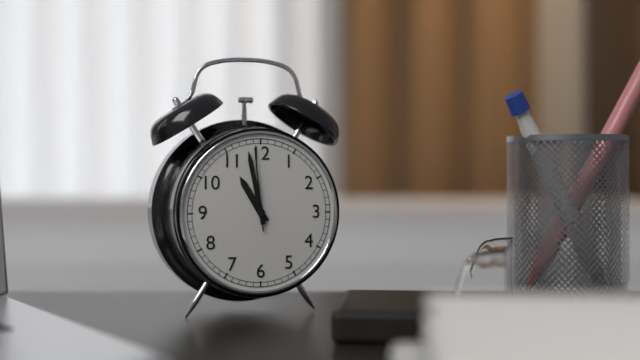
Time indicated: 10:58:59
